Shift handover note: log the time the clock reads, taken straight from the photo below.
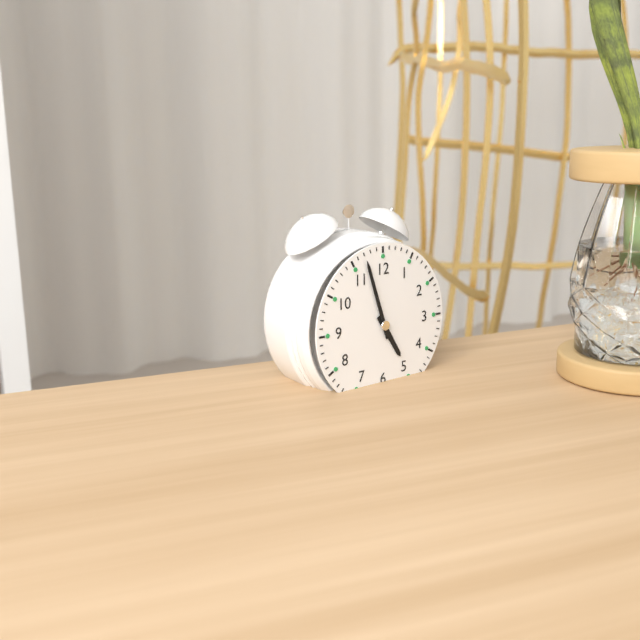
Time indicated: 4:57
